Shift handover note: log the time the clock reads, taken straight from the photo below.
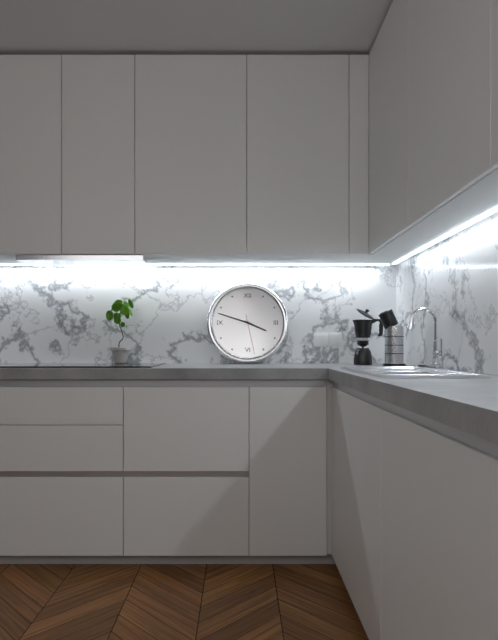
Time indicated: 3:48
